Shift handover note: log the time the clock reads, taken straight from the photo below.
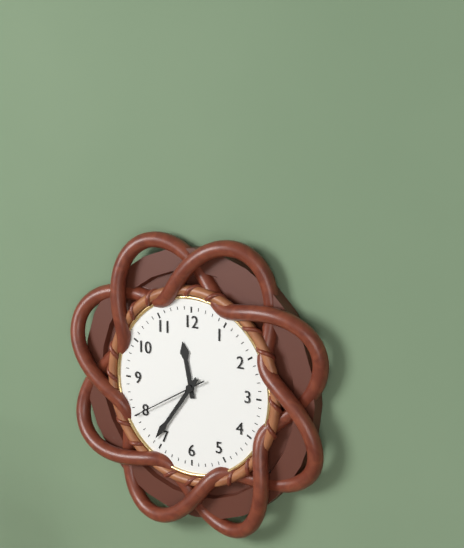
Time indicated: 11:36:40
